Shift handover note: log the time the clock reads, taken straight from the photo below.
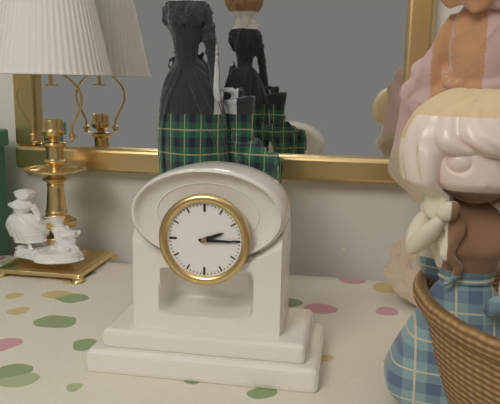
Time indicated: 2:15
